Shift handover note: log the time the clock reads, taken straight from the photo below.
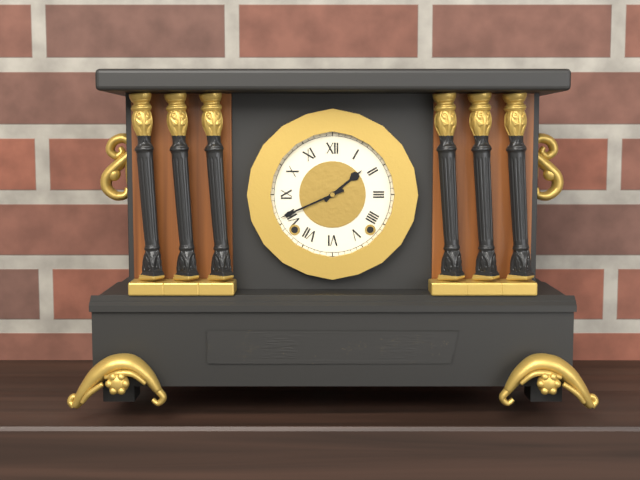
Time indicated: 1:41
